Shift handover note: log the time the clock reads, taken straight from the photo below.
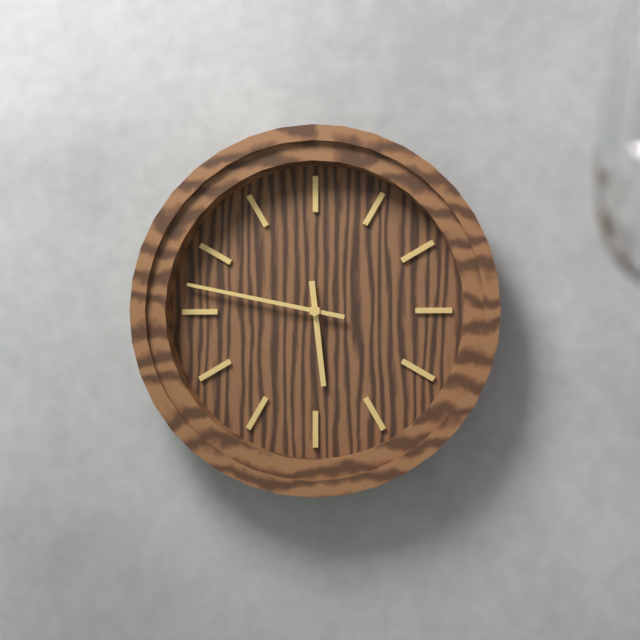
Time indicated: 5:47
